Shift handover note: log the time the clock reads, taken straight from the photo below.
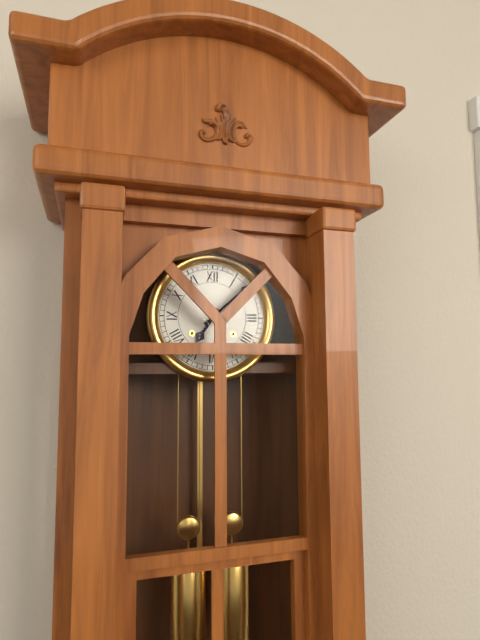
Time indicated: 7:08
